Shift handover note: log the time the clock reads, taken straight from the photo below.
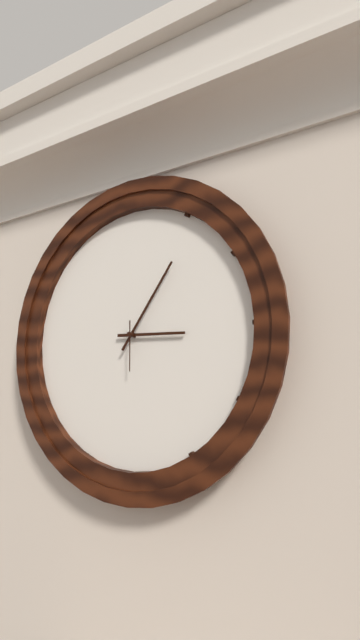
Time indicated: 3:06
